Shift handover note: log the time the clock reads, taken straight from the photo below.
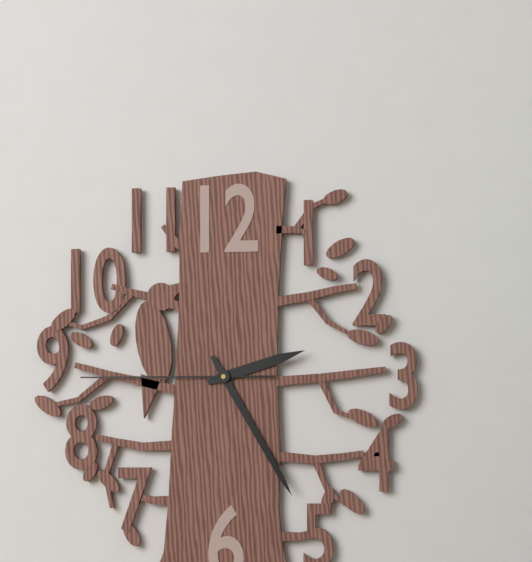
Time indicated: 2:25:45
